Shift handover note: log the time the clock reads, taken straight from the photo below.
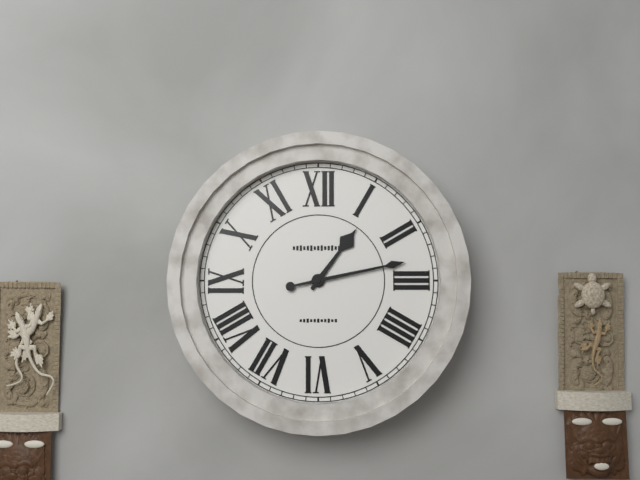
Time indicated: 1:13
